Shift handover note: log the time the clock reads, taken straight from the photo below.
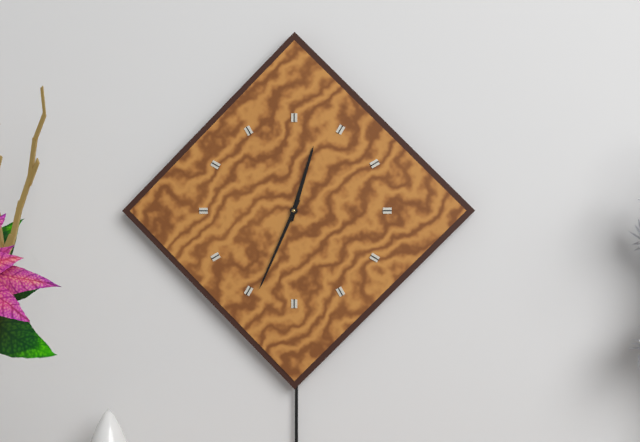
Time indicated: 12:34
